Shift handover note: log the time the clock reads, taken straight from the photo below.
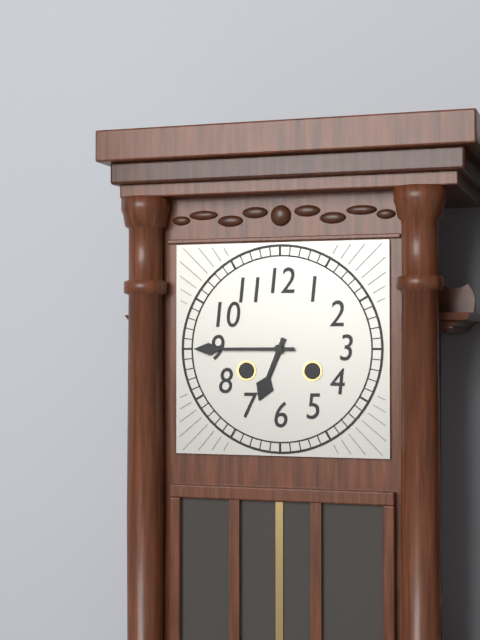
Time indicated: 6:45
